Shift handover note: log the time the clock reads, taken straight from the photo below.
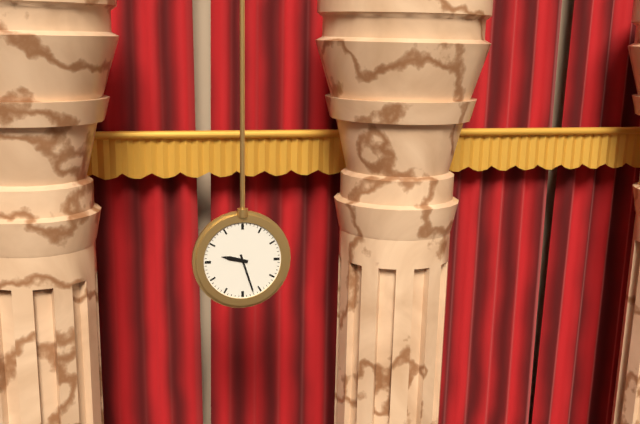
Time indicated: 9:27
